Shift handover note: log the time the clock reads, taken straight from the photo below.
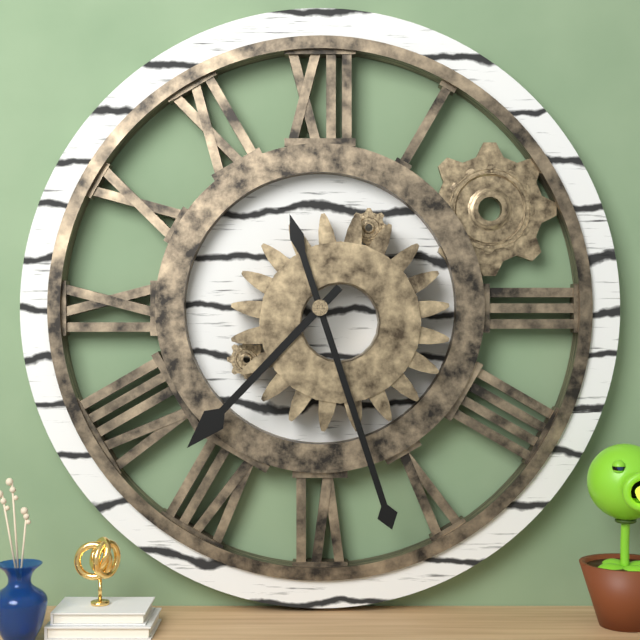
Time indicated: 7:27
